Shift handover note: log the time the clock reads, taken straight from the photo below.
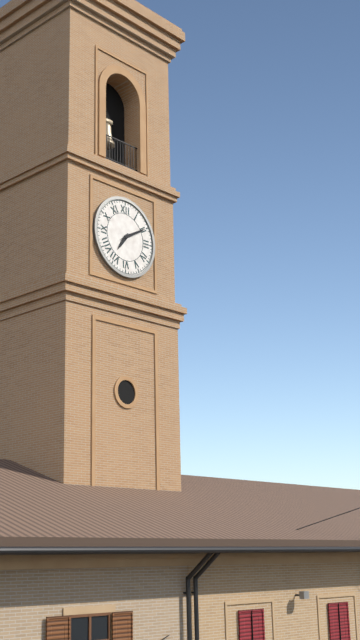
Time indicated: 7:10
